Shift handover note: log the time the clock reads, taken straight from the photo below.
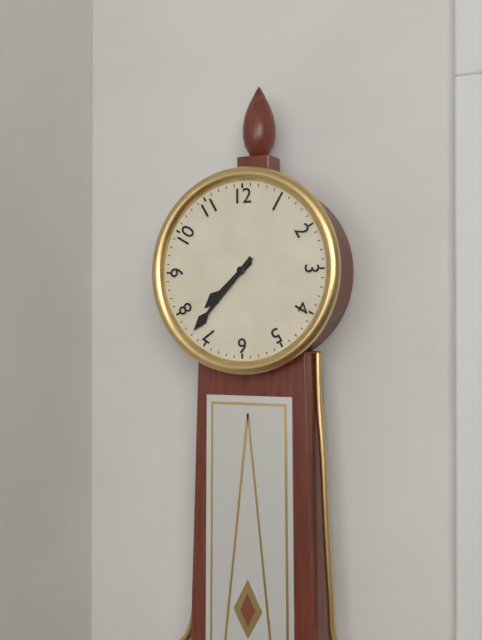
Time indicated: 7:37
